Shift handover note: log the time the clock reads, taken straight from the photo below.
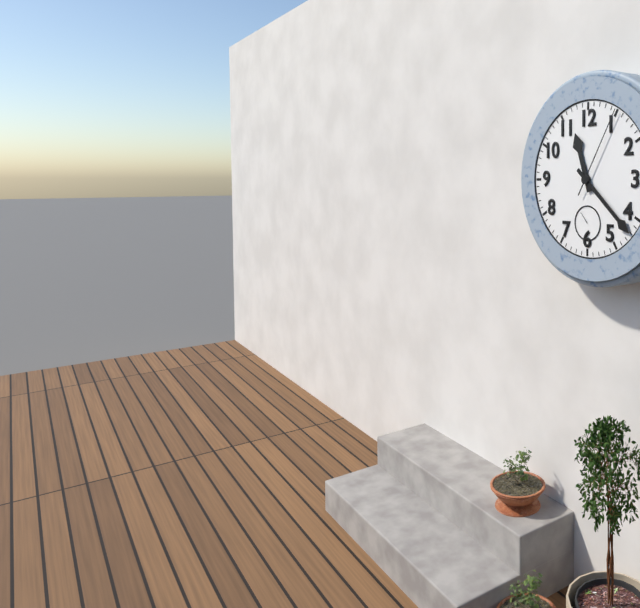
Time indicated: 11:22:05
